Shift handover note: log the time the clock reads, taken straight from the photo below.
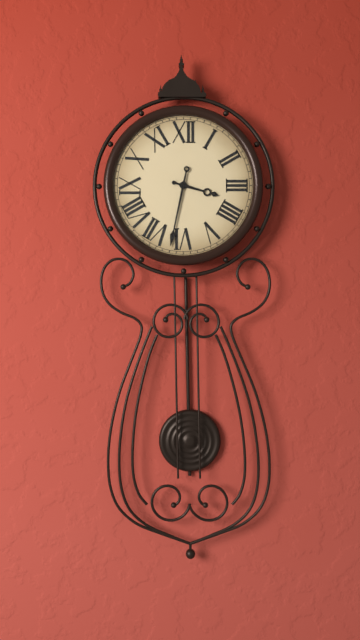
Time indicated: 3:32
